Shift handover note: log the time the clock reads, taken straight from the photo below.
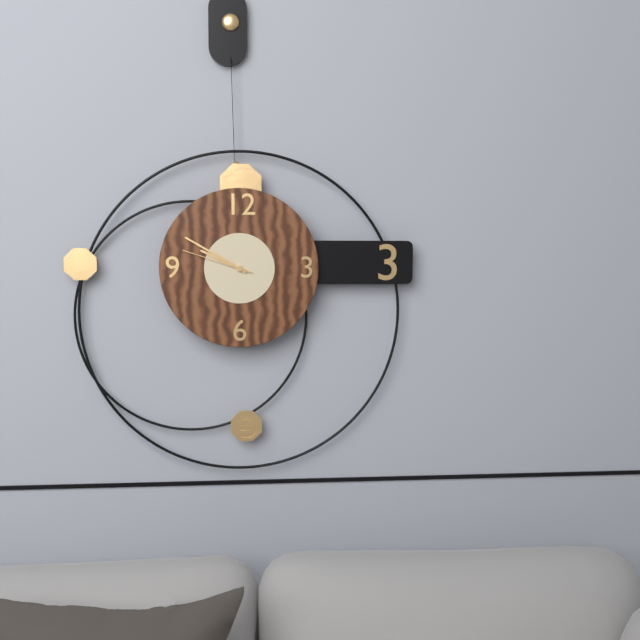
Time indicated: 9:50:48
